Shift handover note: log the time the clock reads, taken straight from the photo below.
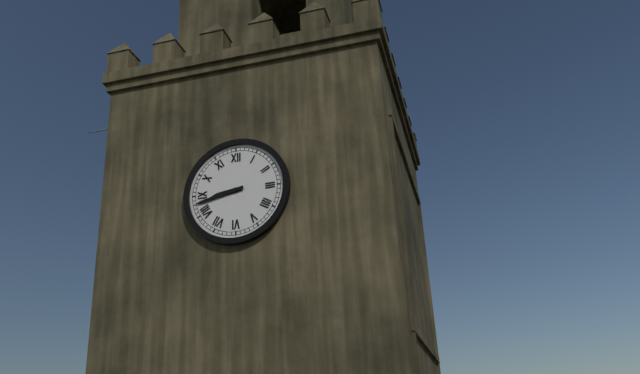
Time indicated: 8:43
